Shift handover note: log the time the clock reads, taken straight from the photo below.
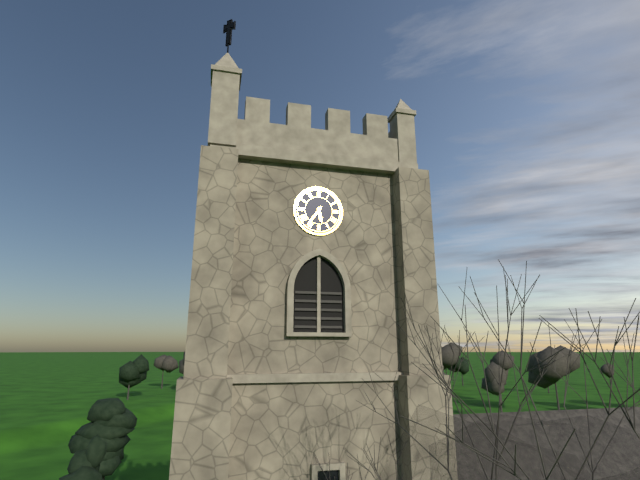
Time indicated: 5:36
